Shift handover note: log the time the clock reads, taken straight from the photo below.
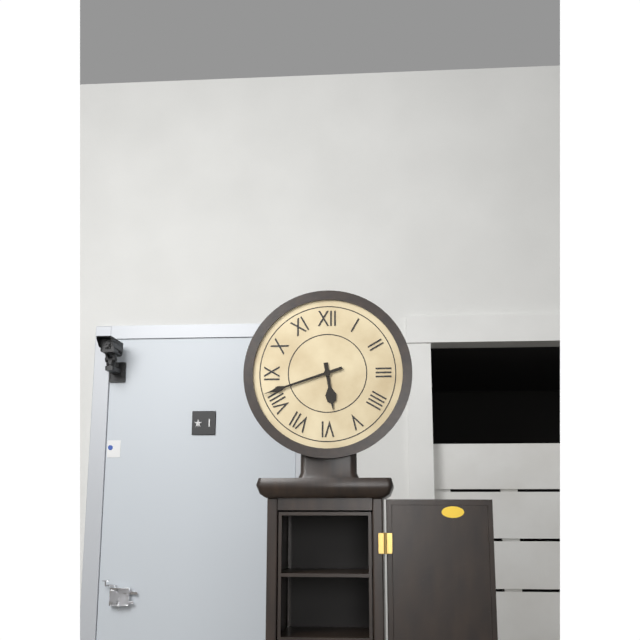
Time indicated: 5:42
